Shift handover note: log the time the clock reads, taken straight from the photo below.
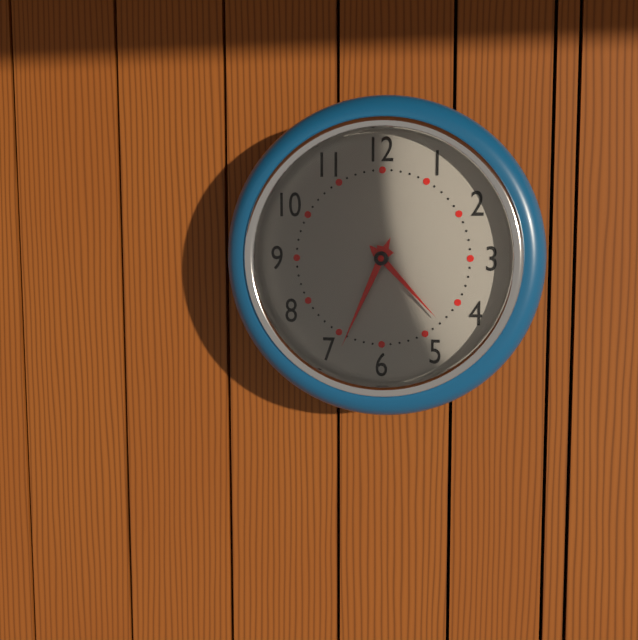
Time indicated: 4:34
